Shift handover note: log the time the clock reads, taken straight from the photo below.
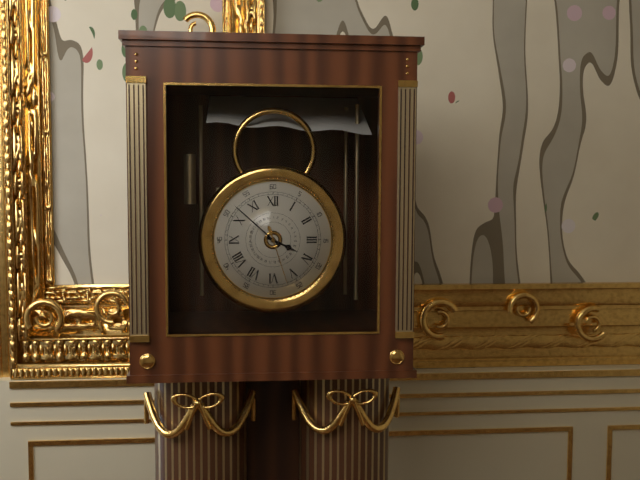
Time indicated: 3:52:27
